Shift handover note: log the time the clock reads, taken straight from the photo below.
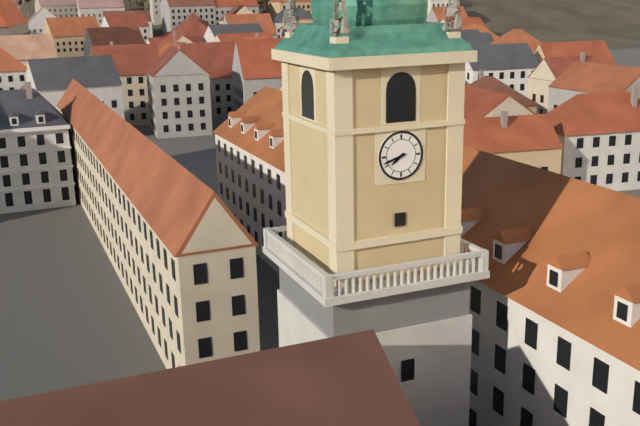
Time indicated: 7:42
